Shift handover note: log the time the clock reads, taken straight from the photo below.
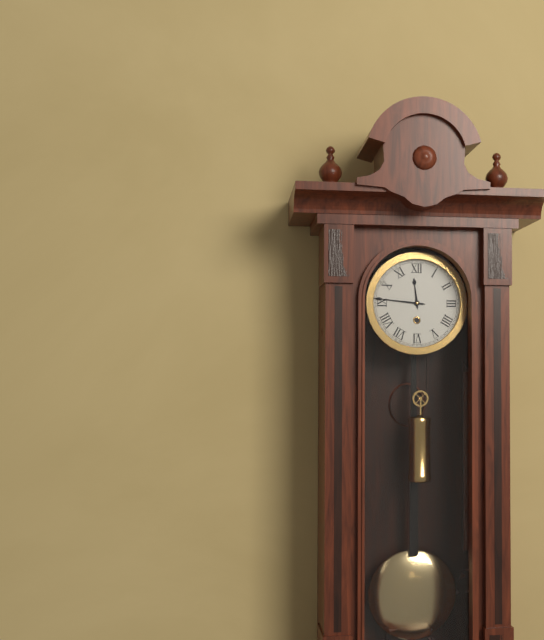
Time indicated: 11:46
